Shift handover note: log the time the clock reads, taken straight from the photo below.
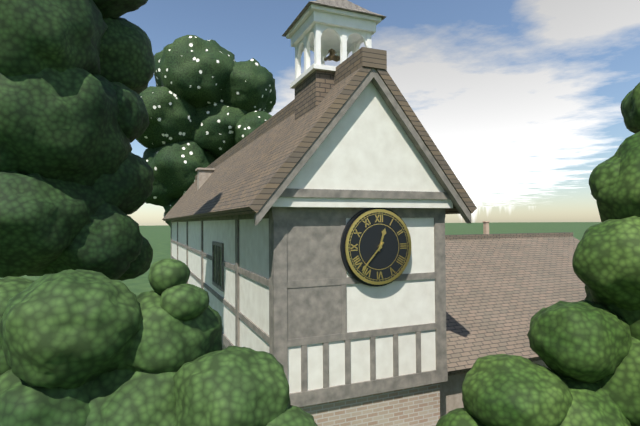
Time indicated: 12:37
